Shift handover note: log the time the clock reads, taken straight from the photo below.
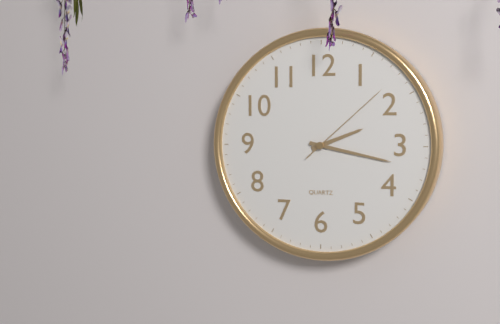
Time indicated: 2:17:08
